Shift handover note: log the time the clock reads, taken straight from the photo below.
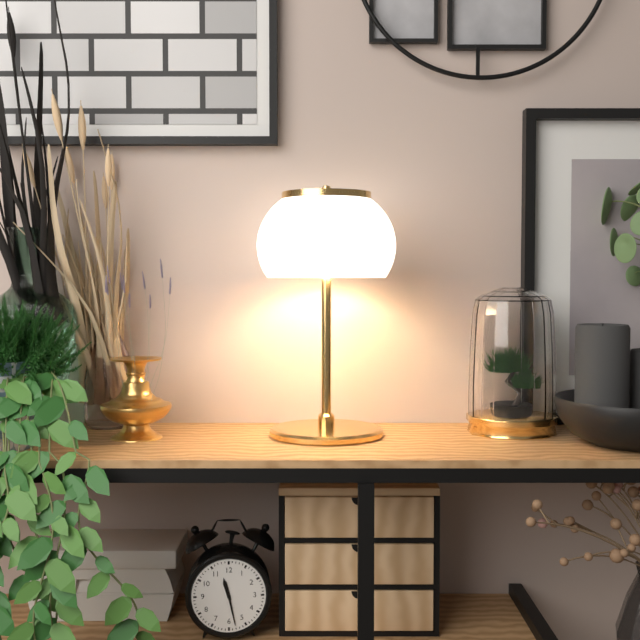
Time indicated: 11:28
